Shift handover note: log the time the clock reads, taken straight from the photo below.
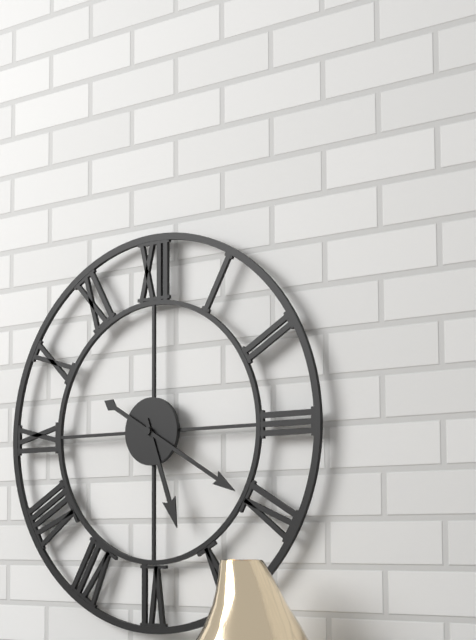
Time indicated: 5:20
